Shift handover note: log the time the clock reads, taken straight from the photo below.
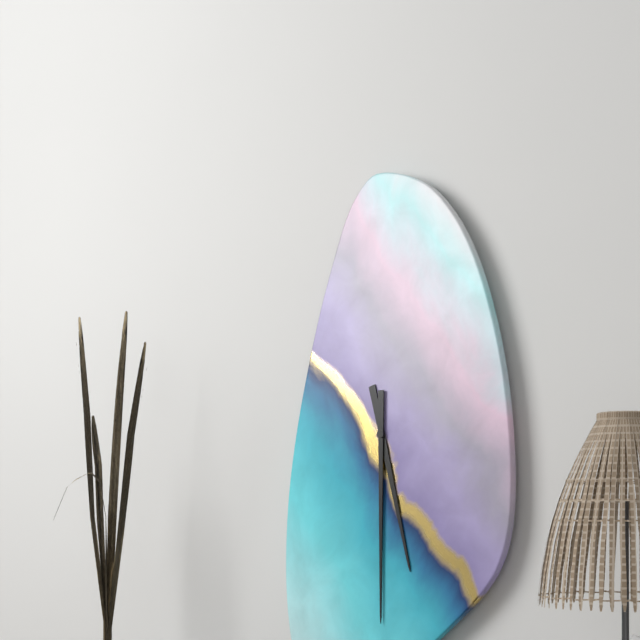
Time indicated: 5:30
